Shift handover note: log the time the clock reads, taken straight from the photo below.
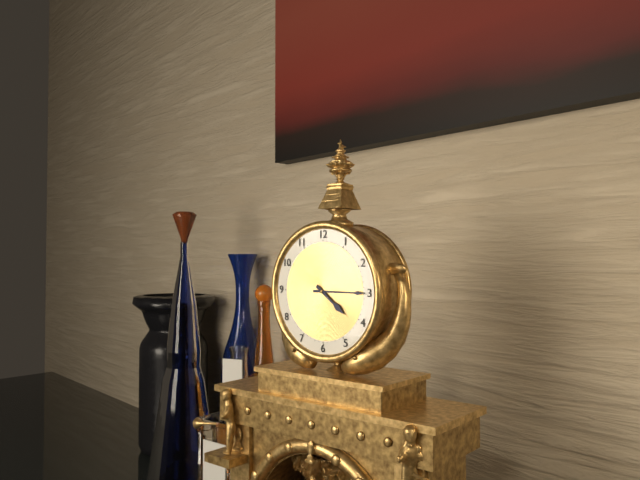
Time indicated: 4:15
